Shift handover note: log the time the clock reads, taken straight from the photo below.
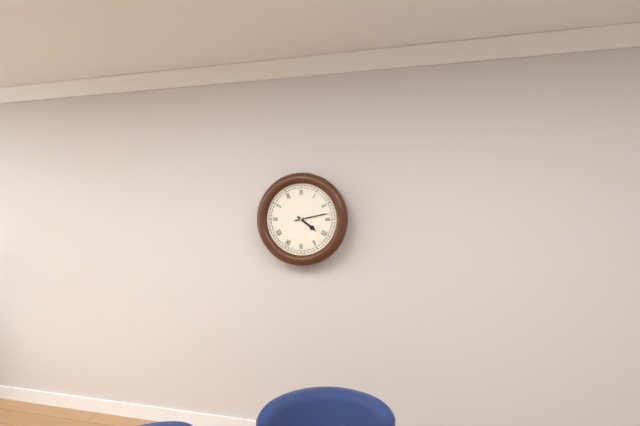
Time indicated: 4:13
